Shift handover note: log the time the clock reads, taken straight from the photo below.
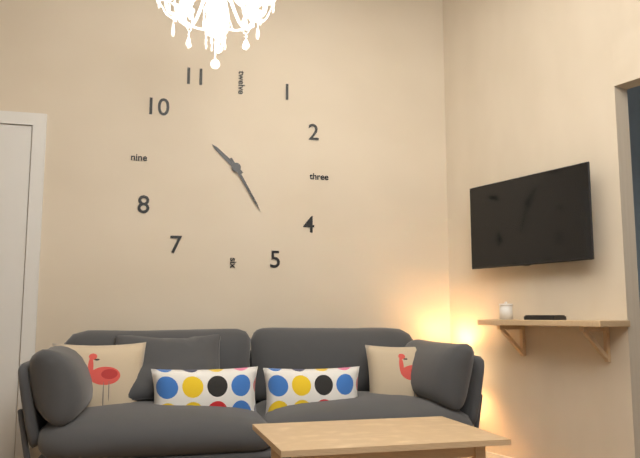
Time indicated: 10:25
